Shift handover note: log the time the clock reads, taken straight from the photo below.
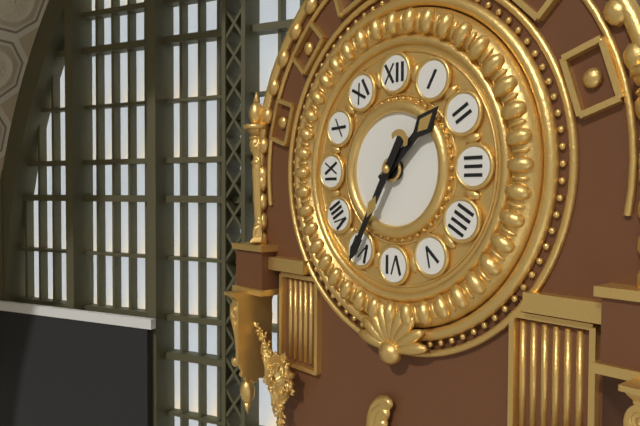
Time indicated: 1:35
